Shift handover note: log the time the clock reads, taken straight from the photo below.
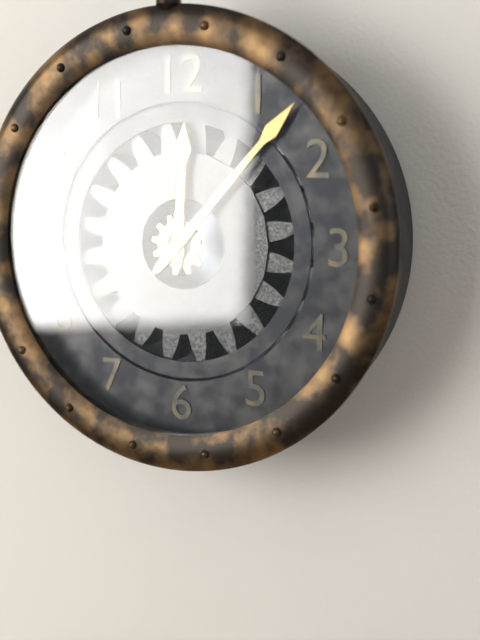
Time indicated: 12:07
